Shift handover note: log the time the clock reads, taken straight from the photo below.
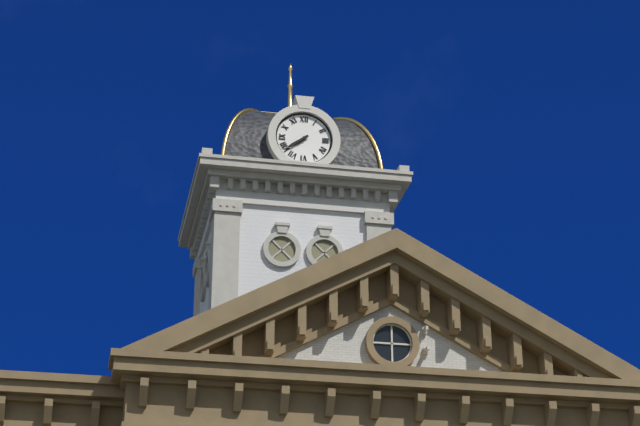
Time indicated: 7:39
